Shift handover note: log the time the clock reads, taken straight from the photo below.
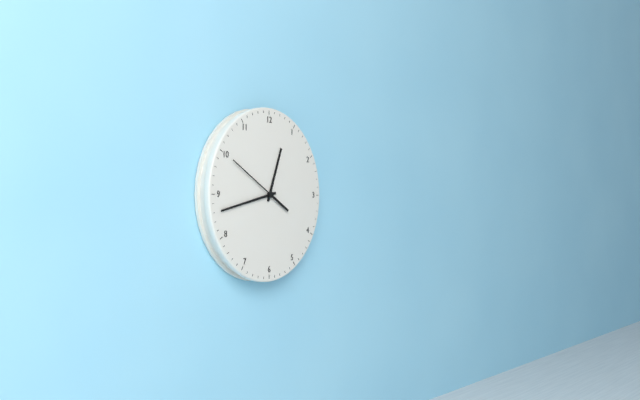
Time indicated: 12:43:50
